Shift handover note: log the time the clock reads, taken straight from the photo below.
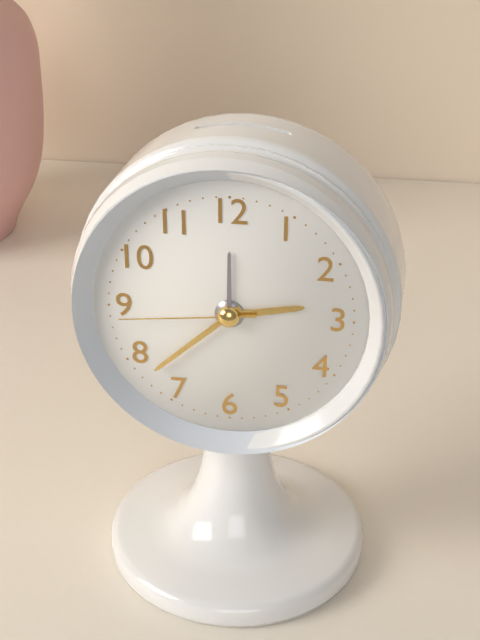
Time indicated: 2:38:44
